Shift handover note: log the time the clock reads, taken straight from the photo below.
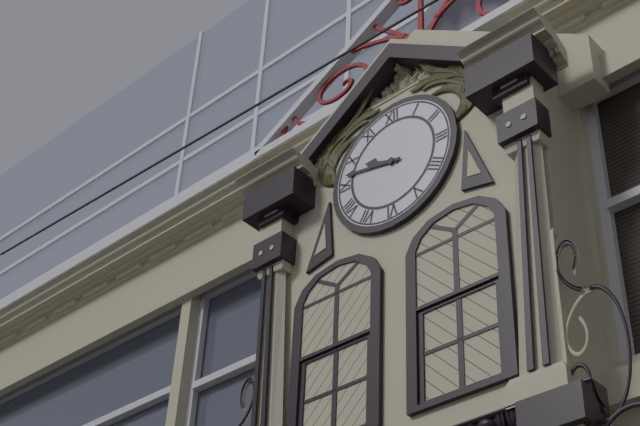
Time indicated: 9:47
